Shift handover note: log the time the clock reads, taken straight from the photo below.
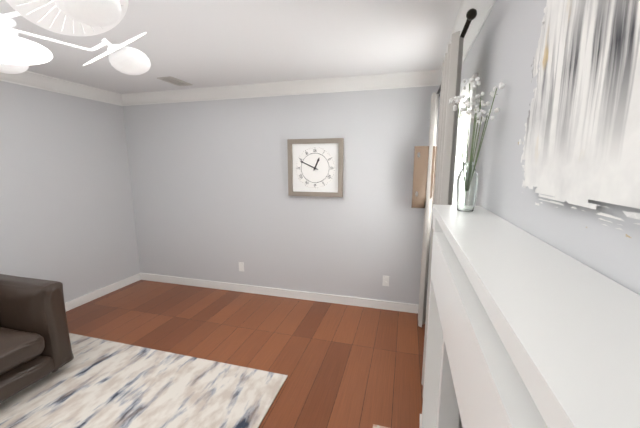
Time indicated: 12:49
